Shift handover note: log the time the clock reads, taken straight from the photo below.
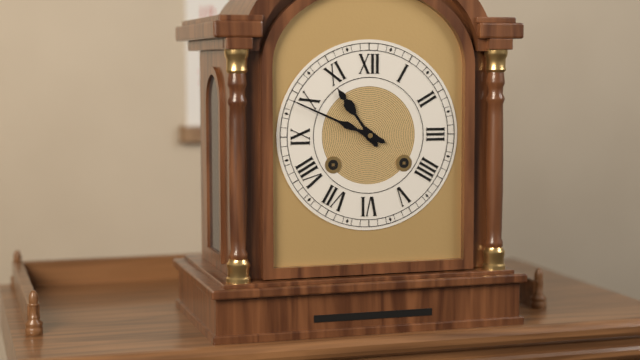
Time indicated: 10:49
